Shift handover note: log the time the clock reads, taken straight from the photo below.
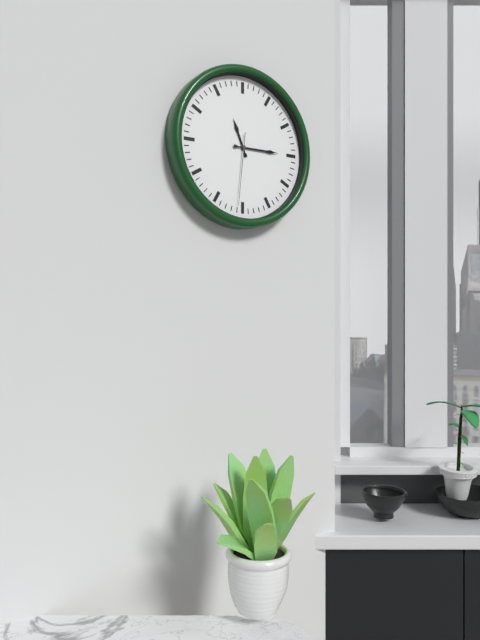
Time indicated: 11:15:31
